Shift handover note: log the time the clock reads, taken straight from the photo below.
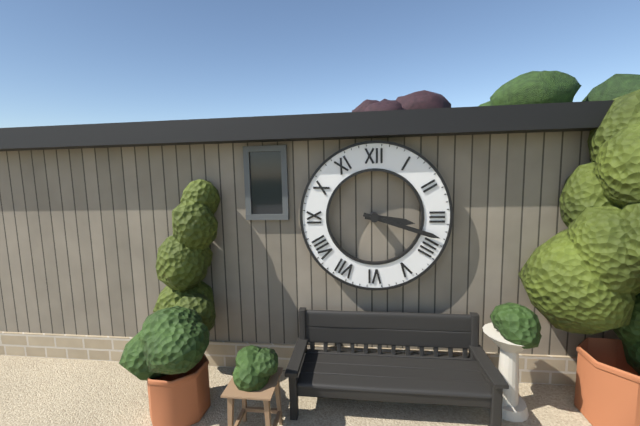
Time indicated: 3:18
